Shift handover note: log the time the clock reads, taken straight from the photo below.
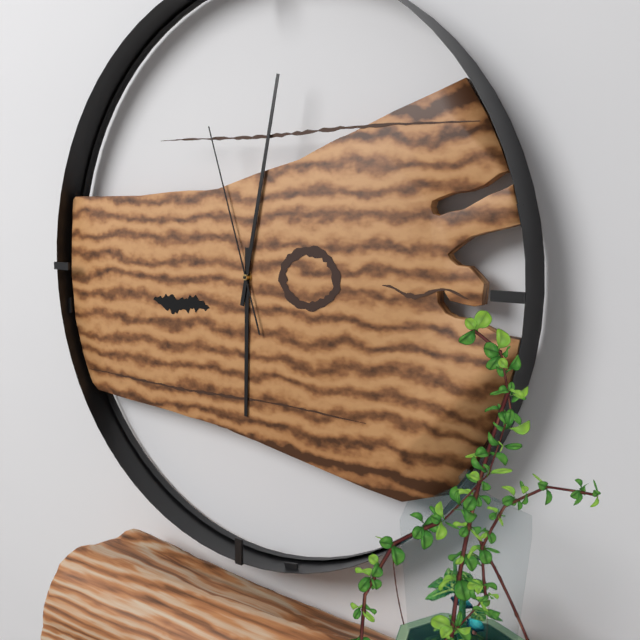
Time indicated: 6:02:57
